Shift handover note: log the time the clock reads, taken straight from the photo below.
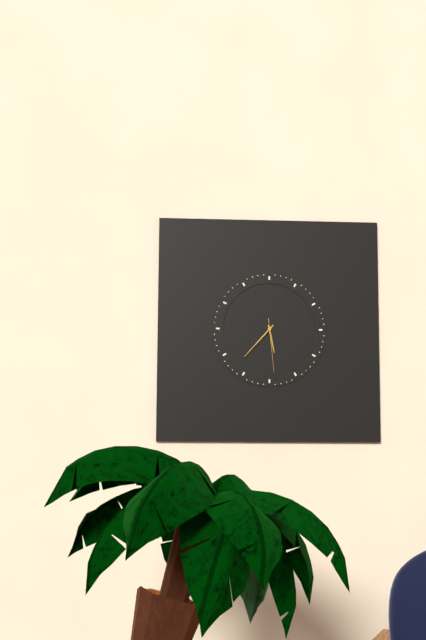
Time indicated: 5:37:29
